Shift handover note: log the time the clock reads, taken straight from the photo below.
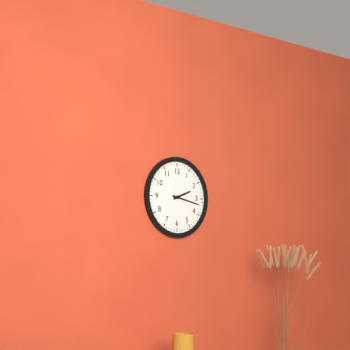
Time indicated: 2:17
